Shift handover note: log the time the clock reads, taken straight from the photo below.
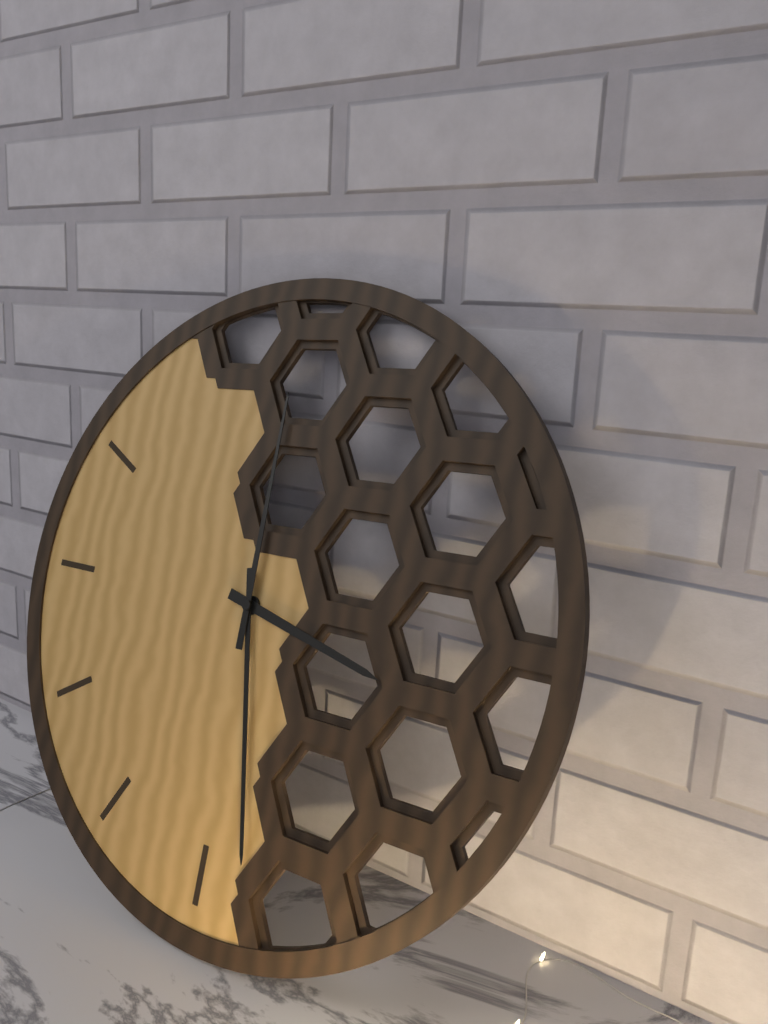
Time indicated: 3:28:00
